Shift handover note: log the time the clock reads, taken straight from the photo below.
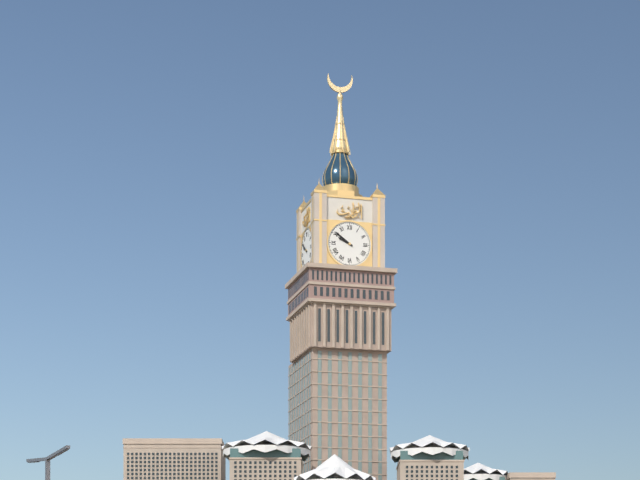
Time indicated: 9:51
